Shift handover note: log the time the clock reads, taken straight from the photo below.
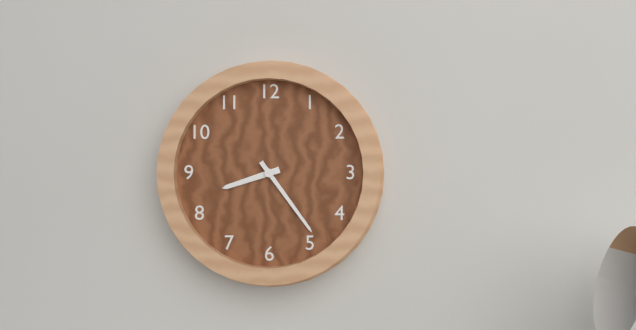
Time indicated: 8:24
